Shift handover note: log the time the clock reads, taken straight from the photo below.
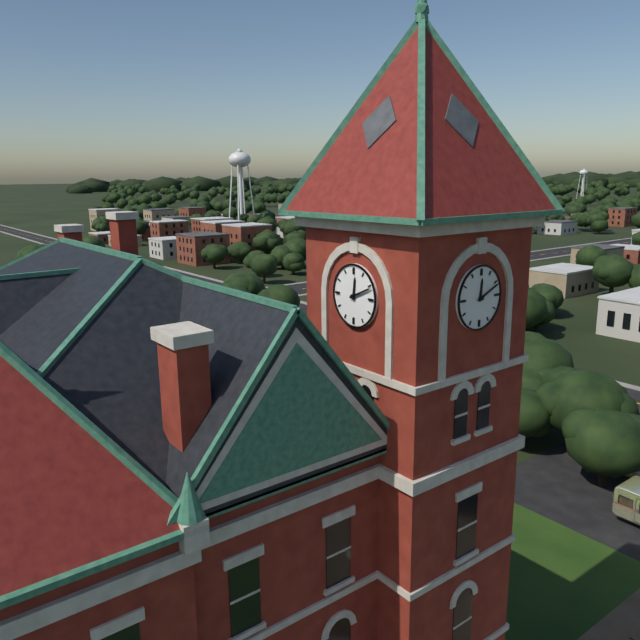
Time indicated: 12:11
